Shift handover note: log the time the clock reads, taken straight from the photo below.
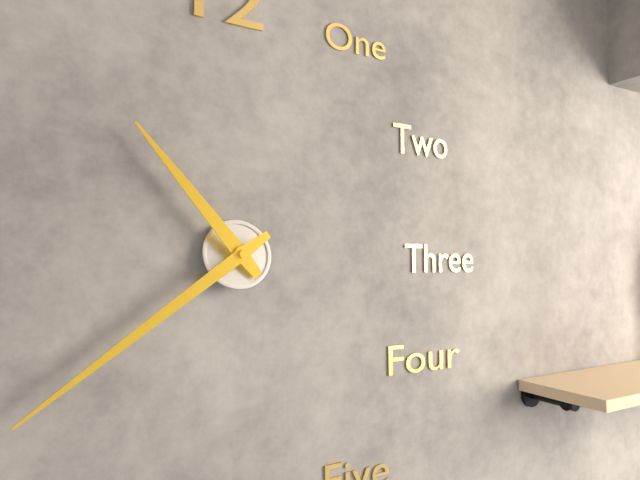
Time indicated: 10:39
